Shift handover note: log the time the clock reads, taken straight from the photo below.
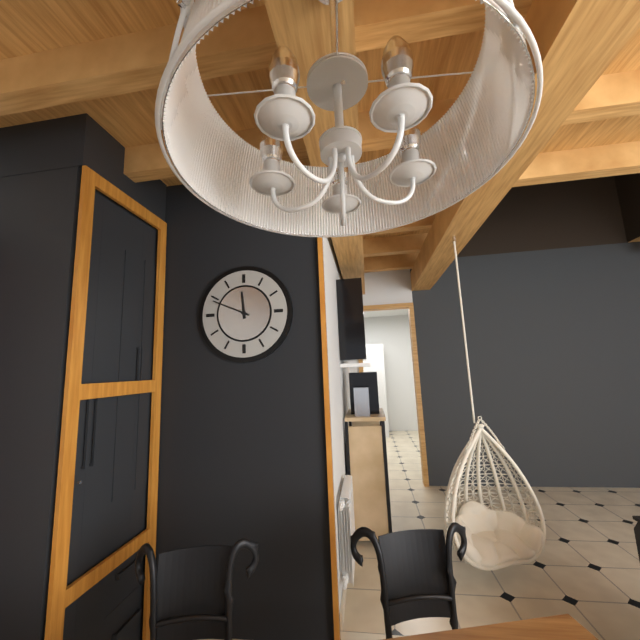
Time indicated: 11:49
